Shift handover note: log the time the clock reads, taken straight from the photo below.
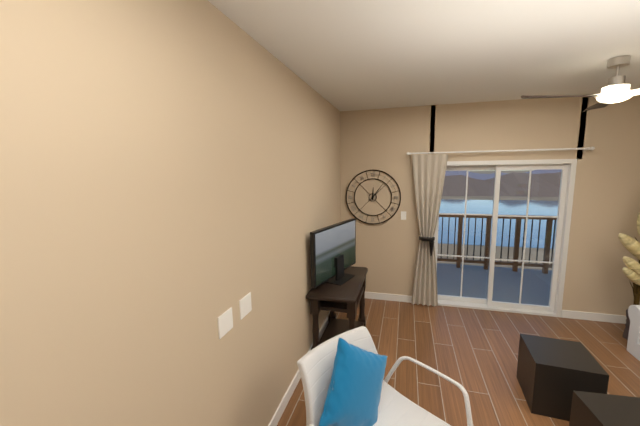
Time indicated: 12:06
